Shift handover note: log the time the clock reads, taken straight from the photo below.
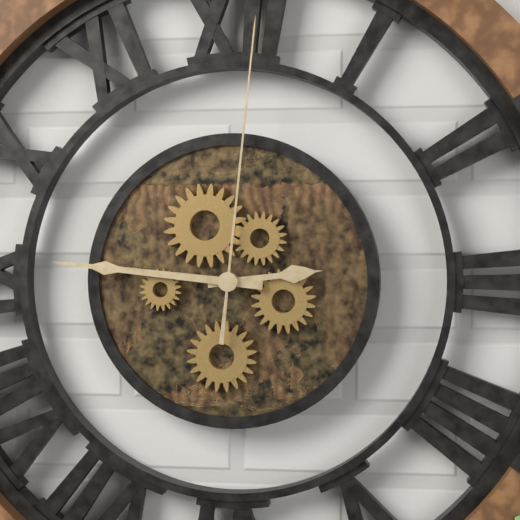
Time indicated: 2:46:01
